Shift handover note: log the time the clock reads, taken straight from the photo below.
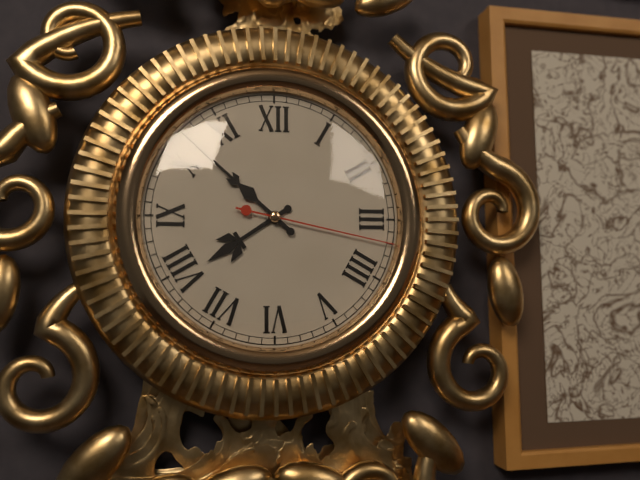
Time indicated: 7:52:17
